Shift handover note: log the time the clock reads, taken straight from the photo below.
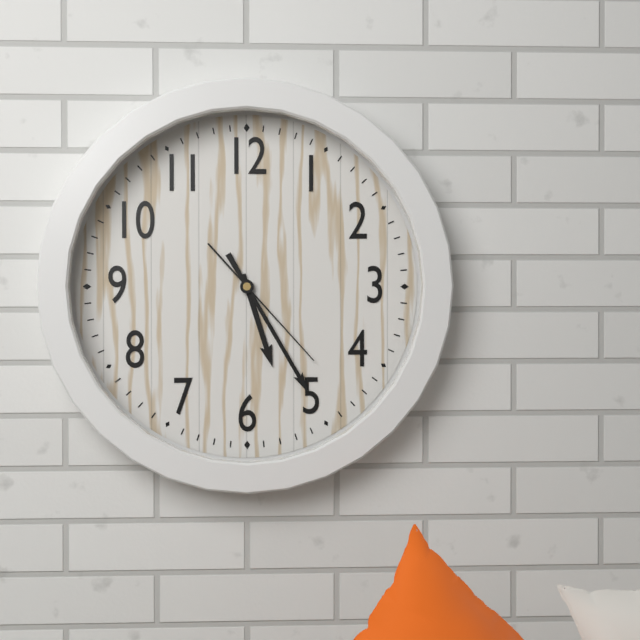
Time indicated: 5:25:23
